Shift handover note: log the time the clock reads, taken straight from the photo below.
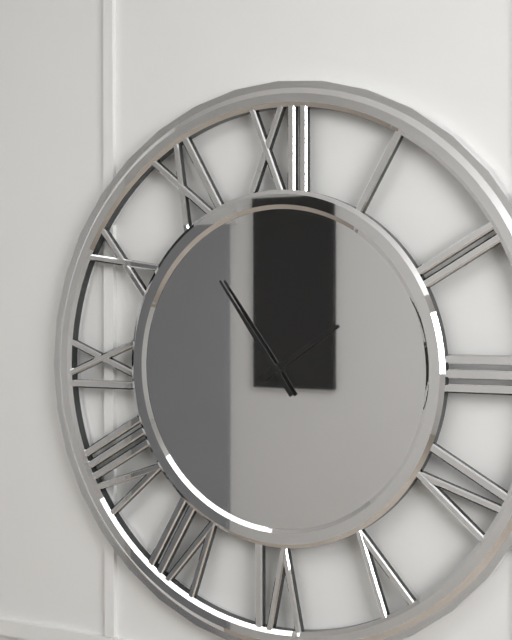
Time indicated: 1:54
